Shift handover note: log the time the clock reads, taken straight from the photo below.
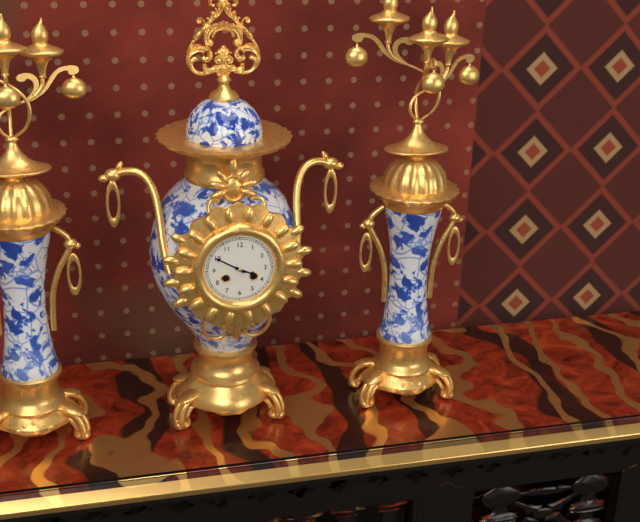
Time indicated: 3:50
